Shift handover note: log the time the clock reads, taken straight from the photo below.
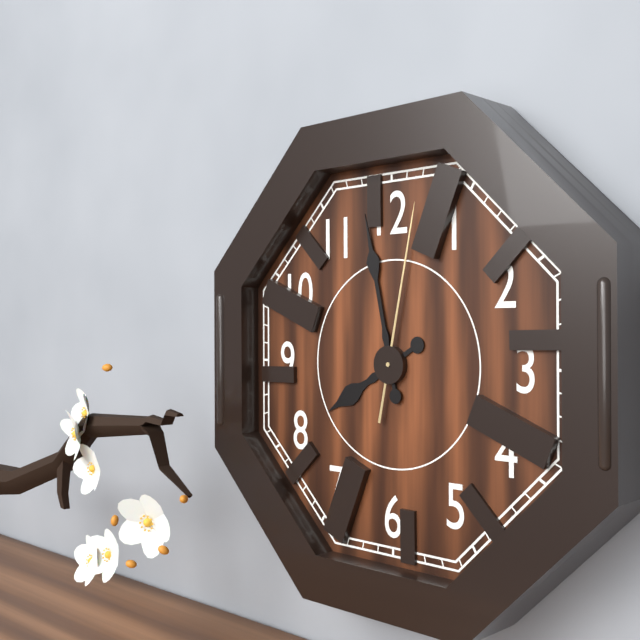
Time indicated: 7:58:02
